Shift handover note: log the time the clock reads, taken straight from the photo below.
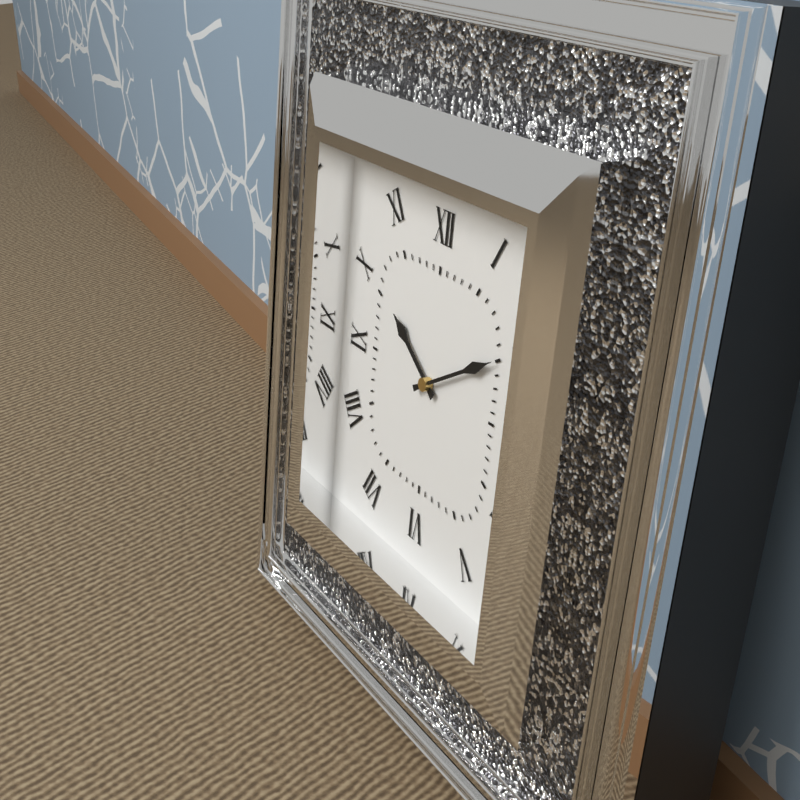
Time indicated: 10:10
